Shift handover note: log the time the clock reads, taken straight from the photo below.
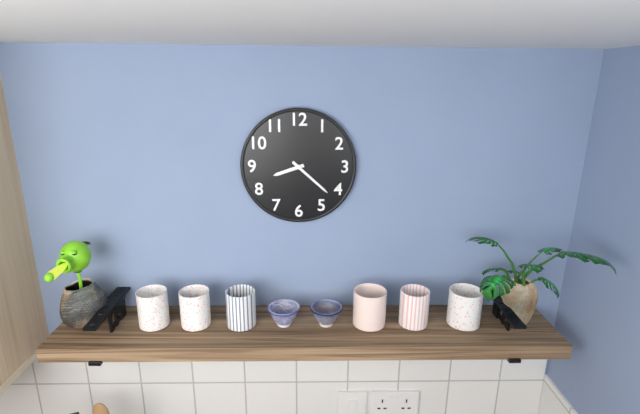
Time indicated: 8:22
